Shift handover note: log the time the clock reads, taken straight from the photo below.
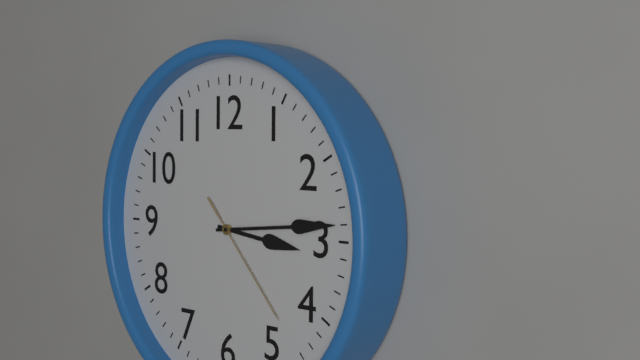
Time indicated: 3:14:23
